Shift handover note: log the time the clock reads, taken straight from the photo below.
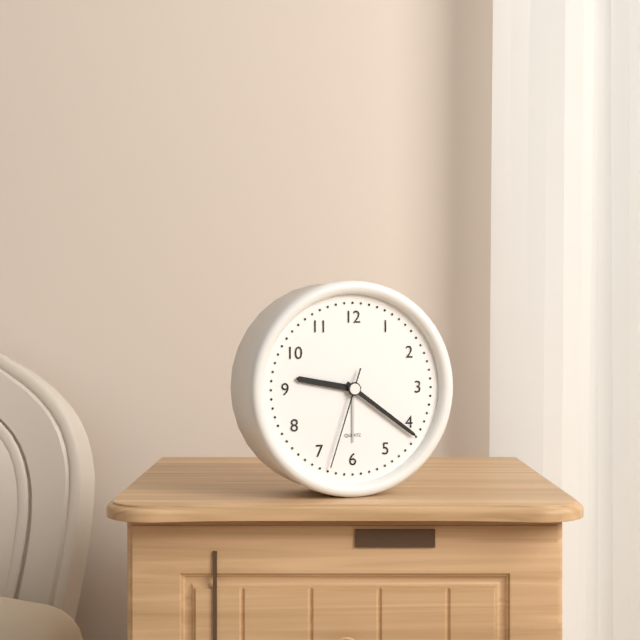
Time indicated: 9:21:33
